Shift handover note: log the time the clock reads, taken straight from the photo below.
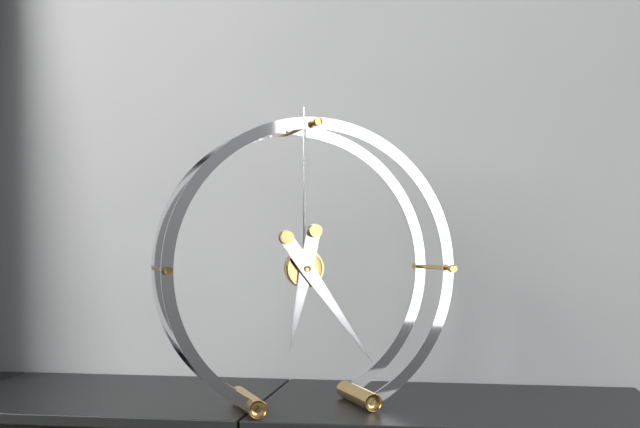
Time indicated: 6:24
